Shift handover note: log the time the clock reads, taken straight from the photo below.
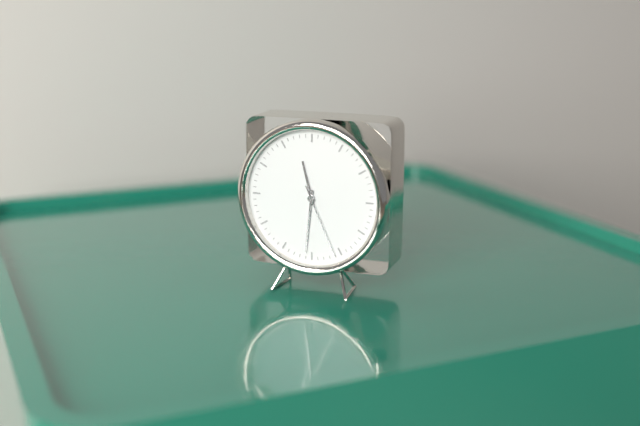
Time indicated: 11:31:26
